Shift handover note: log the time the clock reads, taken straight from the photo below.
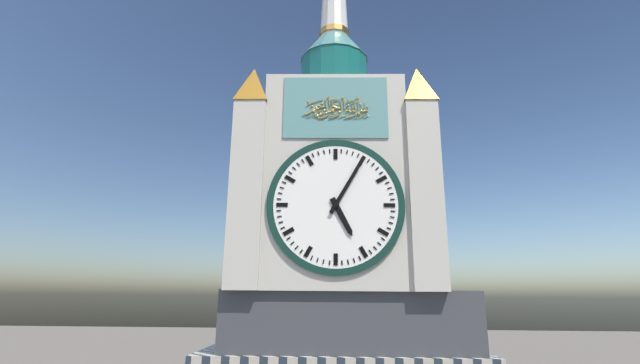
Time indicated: 5:05
